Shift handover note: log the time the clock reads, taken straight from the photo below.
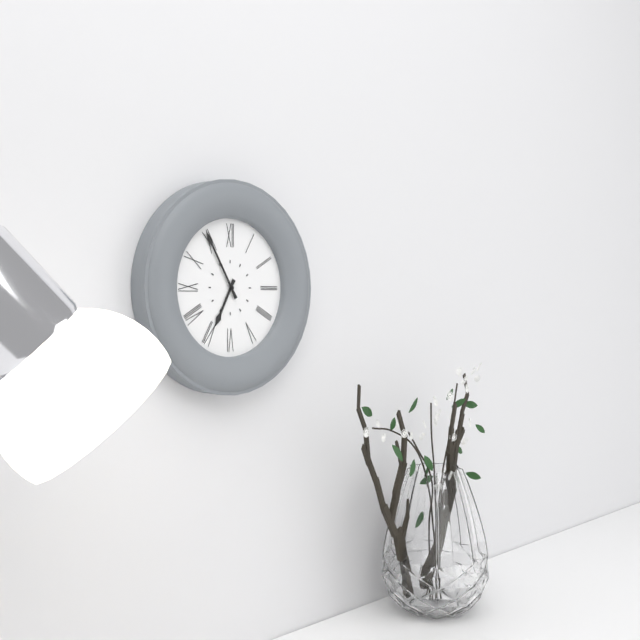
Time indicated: 6:55
